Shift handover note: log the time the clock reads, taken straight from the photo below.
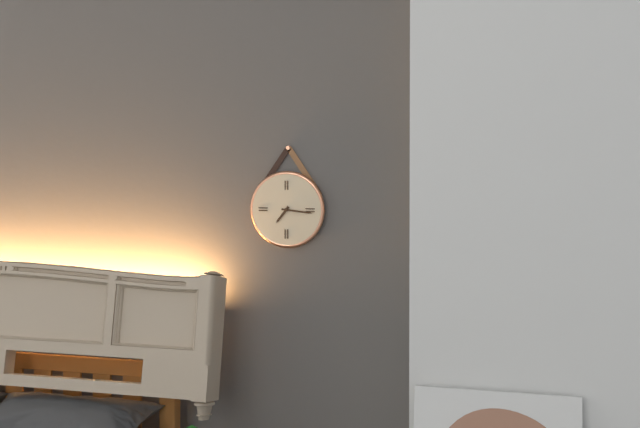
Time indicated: 7:16
